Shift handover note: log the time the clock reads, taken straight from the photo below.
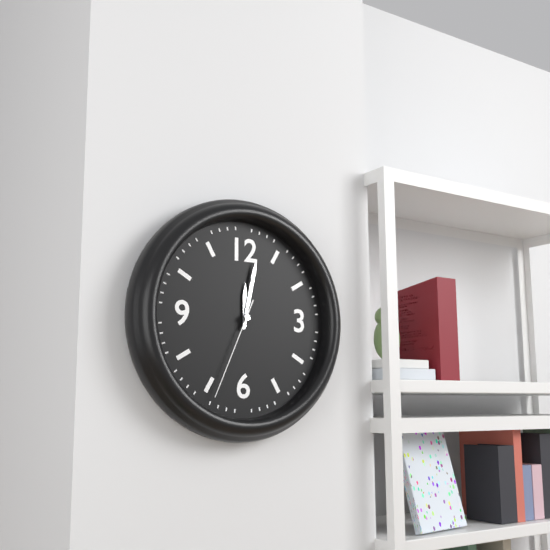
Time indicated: 12:02:34
